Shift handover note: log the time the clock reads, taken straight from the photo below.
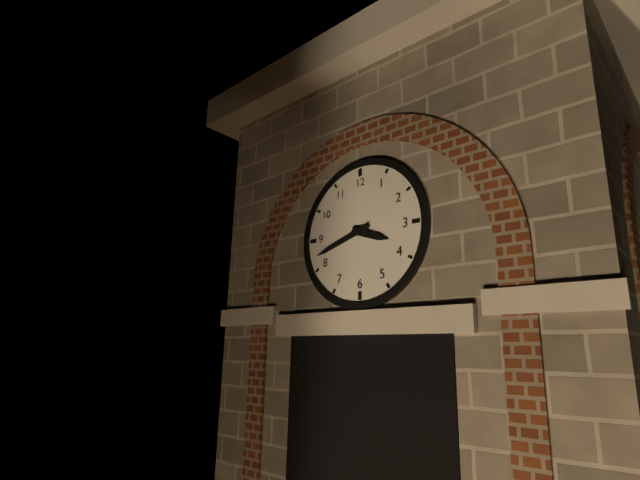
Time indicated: 3:42
